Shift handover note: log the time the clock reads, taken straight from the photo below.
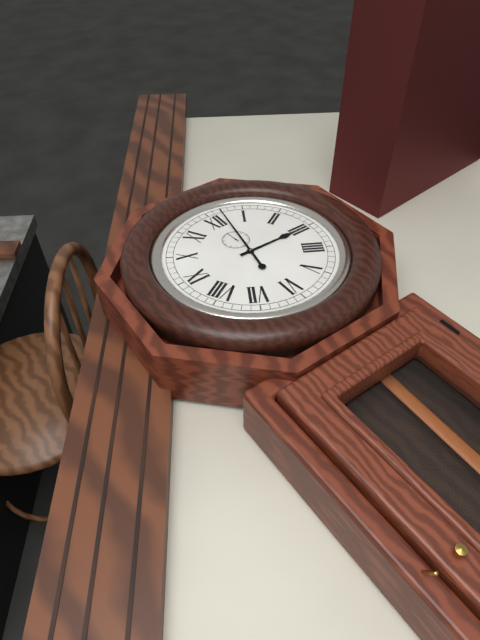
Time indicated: 3:02
